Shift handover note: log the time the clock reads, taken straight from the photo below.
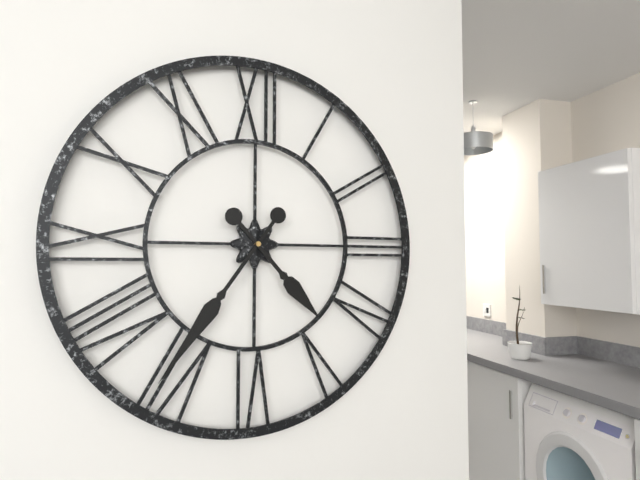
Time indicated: 4:36
